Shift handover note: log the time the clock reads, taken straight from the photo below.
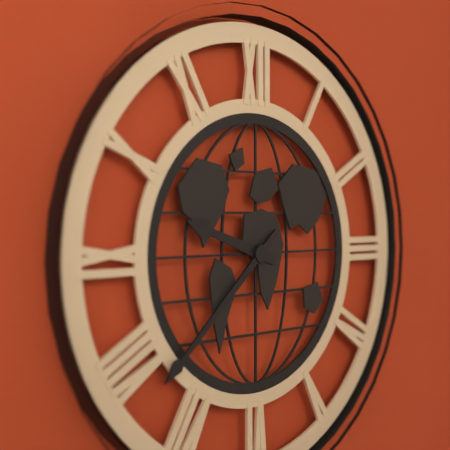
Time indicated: 9:38
